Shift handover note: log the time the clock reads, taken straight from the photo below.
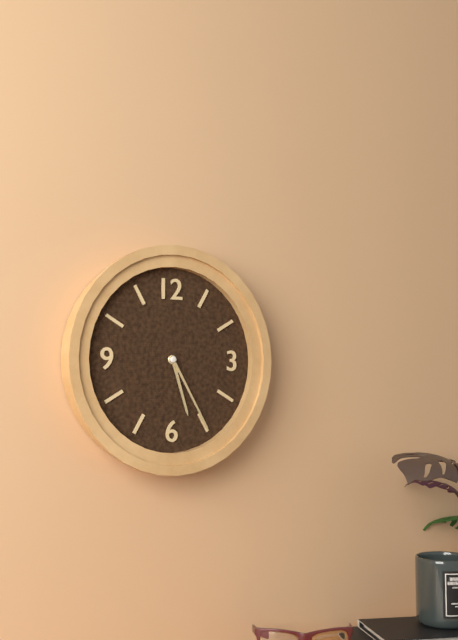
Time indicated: 5:25
